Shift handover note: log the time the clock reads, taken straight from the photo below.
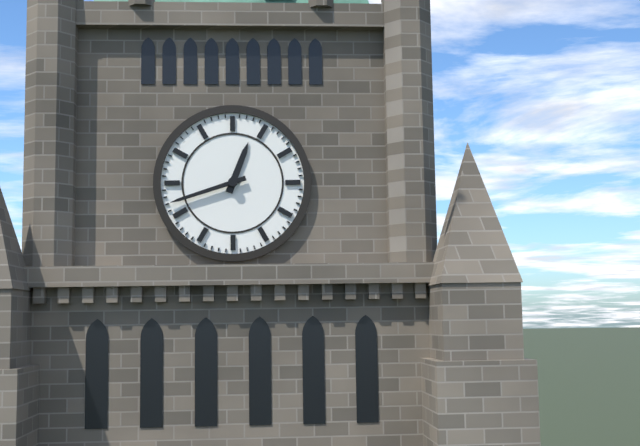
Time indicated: 12:42
